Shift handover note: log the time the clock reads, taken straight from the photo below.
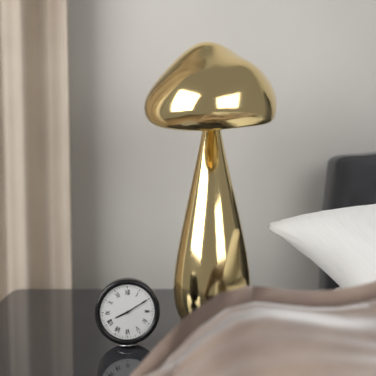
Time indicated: 8:10
